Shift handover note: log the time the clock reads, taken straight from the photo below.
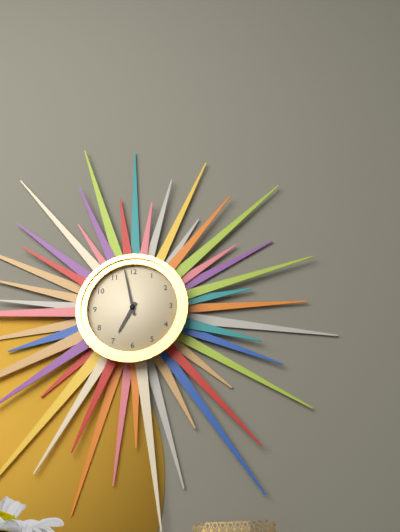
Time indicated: 6:58
